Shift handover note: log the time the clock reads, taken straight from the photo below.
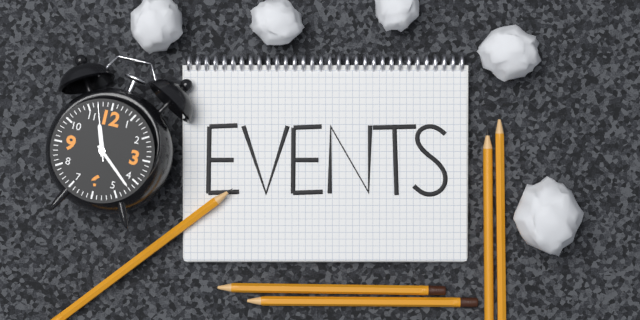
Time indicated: 11:22:57
